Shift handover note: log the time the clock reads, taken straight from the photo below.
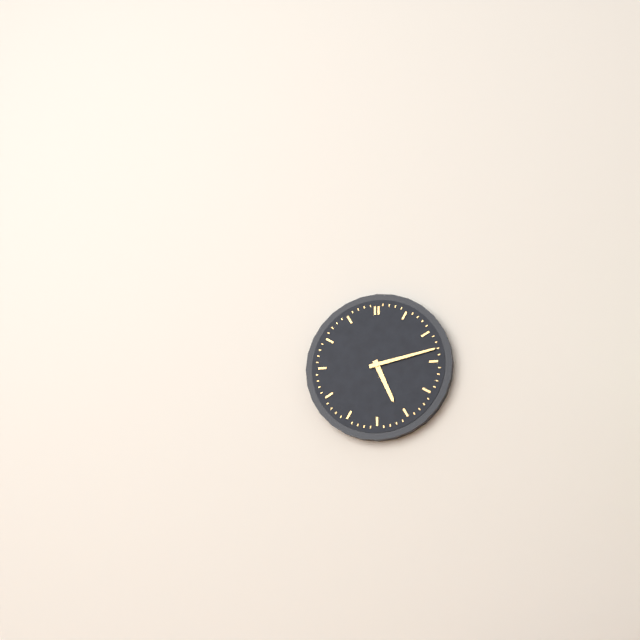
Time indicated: 5:13
